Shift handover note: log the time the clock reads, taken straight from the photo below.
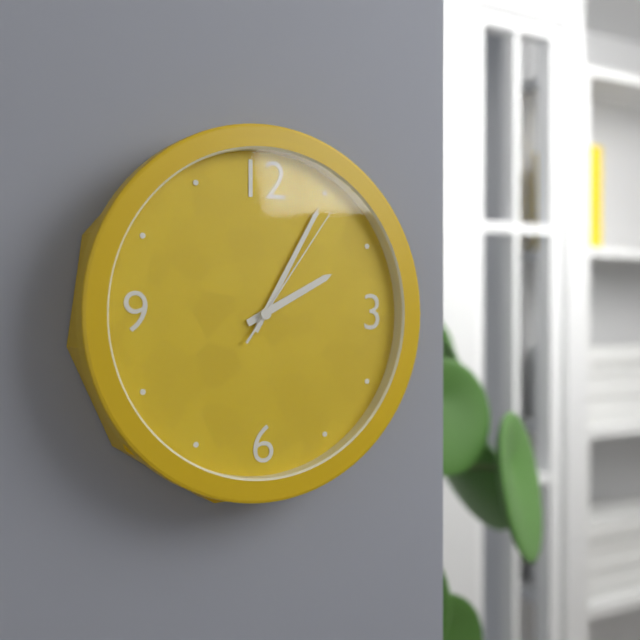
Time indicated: 2:05:06
